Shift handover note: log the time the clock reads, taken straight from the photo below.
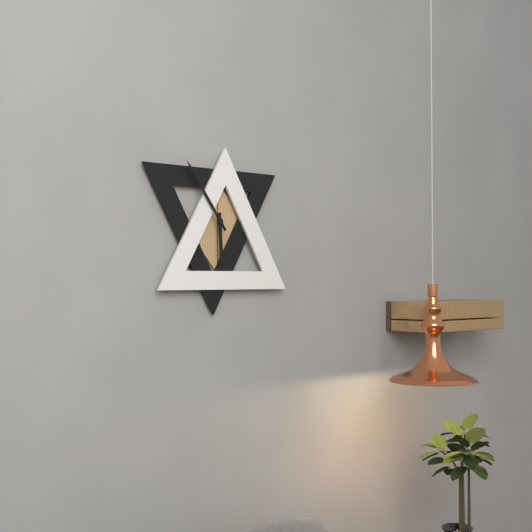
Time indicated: 5:54
